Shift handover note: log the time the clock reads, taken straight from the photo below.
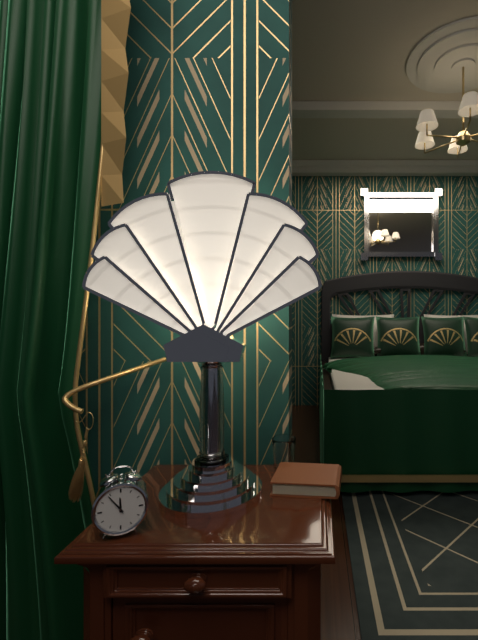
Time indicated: 11:54
